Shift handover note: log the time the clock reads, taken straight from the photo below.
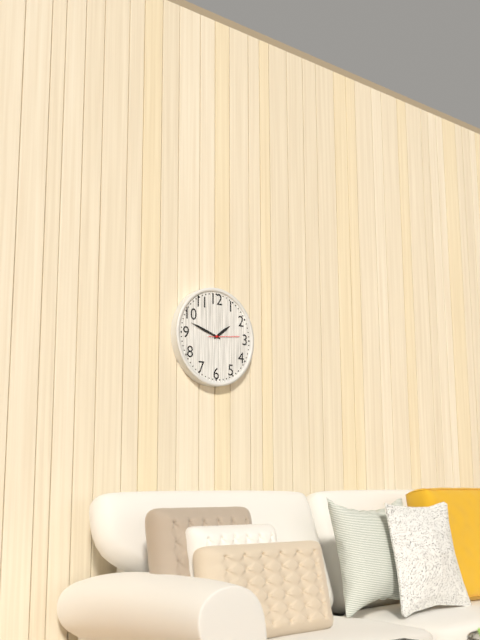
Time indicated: 1:48
